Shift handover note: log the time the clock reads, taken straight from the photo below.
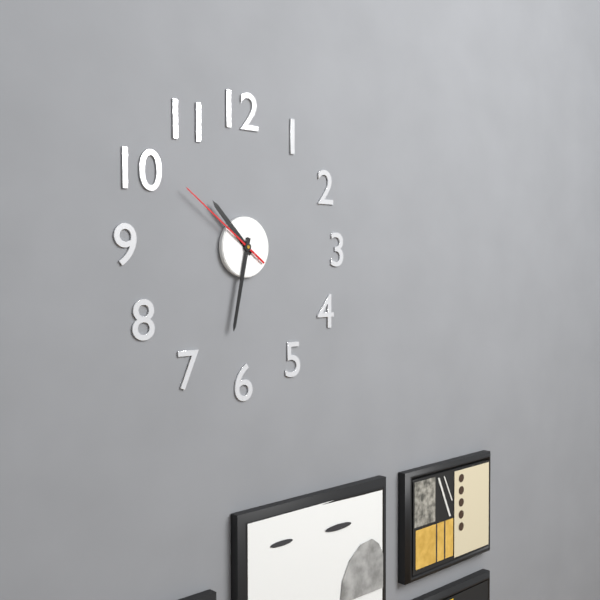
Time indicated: 10:32:51
